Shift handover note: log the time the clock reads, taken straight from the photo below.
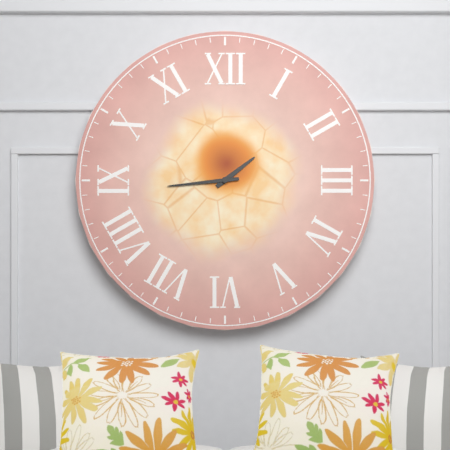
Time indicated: 1:44
